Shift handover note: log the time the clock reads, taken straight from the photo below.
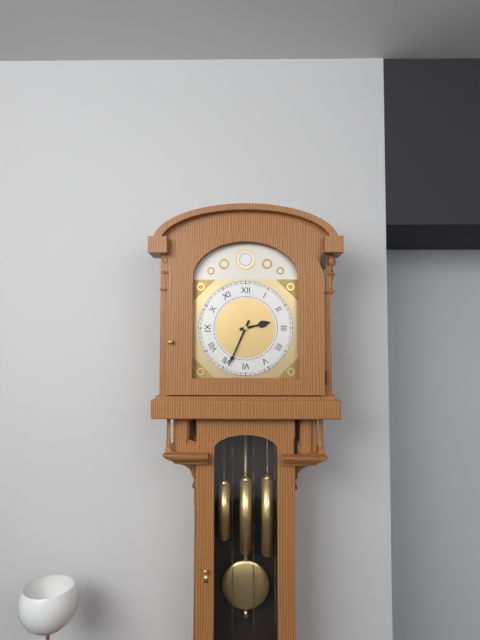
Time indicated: 2:34
